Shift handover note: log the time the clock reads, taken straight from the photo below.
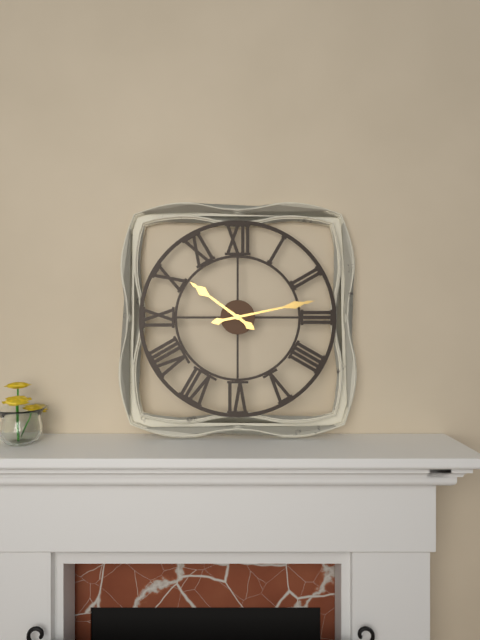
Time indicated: 10:13
